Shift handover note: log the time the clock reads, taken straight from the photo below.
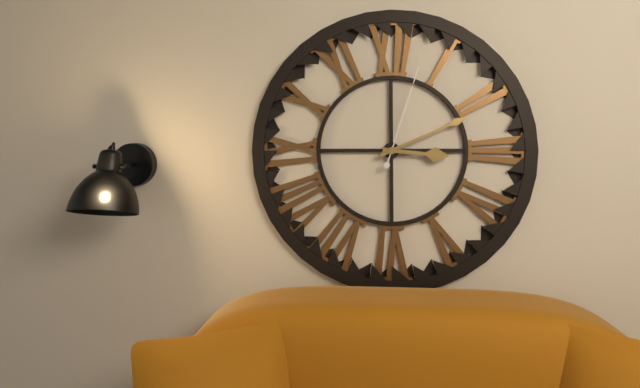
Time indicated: 3:11:03
